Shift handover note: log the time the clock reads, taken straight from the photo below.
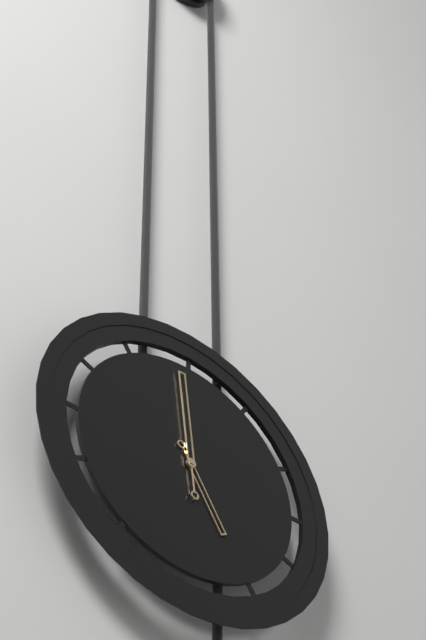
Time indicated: 4:59
